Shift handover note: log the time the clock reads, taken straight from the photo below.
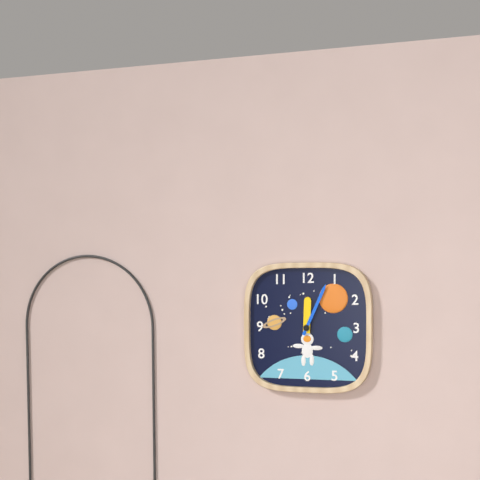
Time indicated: 12:04
